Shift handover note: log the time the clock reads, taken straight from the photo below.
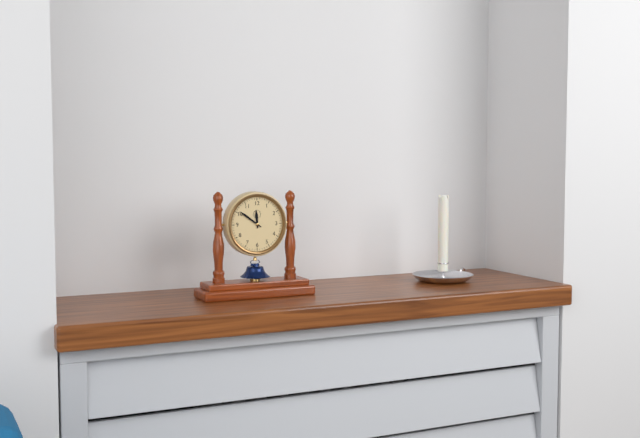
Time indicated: 11:51
